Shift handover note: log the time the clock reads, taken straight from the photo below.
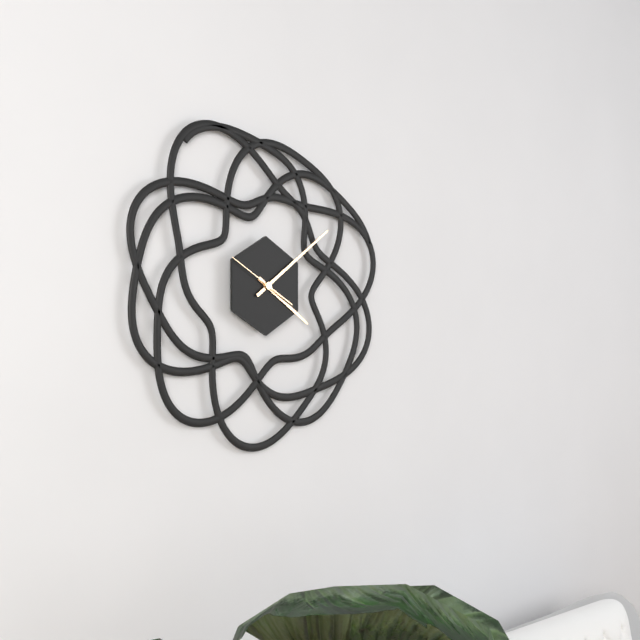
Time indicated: 4:09:50
